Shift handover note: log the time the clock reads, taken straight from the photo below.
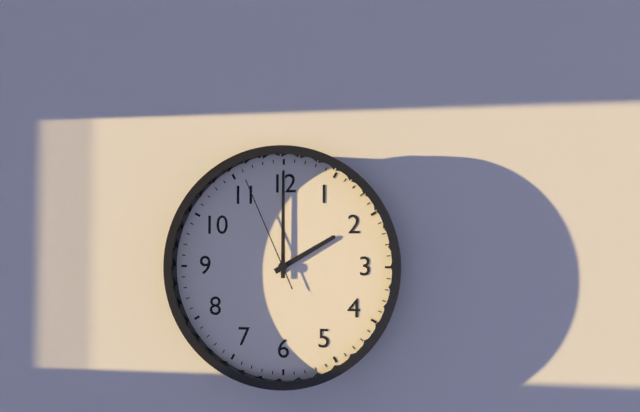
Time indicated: 2:00:56
